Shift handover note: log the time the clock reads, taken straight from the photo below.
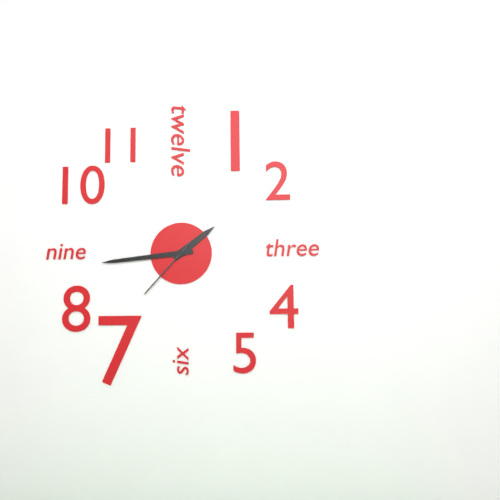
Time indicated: 1:44:37
